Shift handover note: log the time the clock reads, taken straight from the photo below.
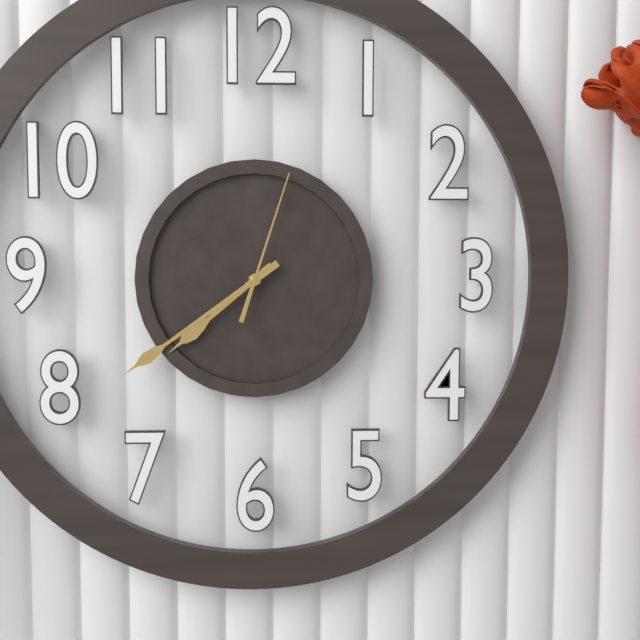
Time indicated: 7:39:03
